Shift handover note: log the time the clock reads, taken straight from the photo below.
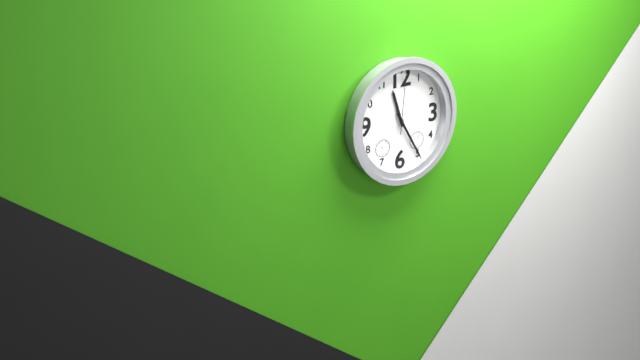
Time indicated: 11:25:01
